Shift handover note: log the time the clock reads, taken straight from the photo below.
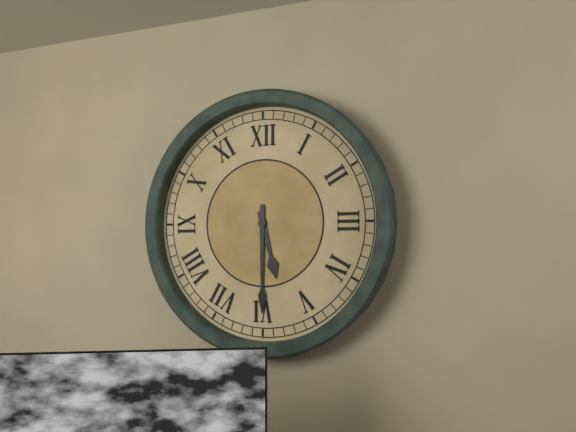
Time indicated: 5:30
